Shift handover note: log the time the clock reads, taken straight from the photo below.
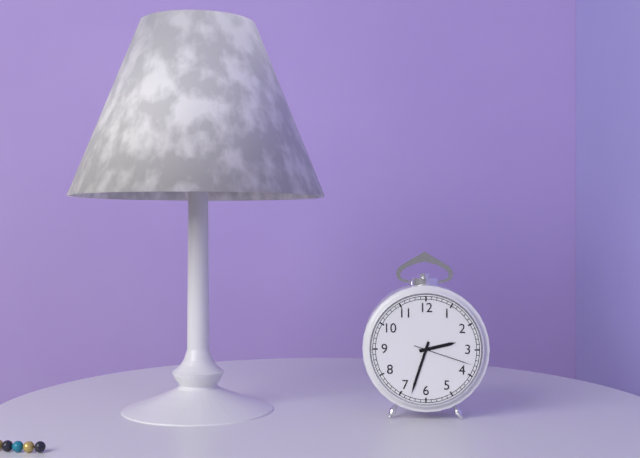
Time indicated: 2:33:18
